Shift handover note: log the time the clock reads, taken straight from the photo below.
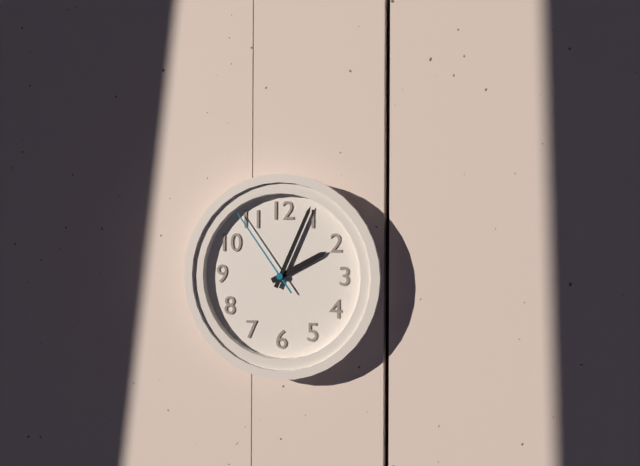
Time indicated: 2:04:54
